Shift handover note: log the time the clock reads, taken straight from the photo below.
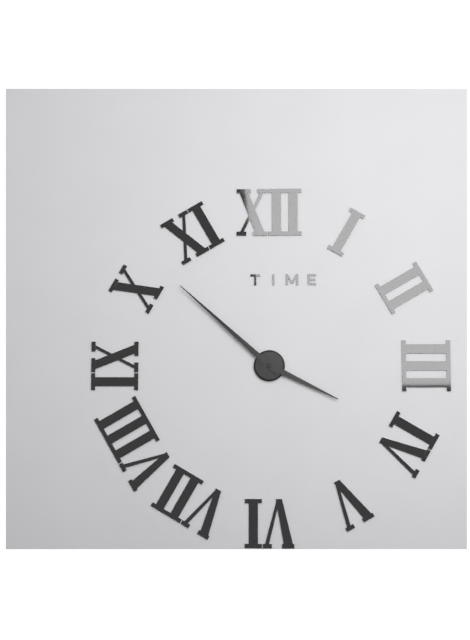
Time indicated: 3:52
